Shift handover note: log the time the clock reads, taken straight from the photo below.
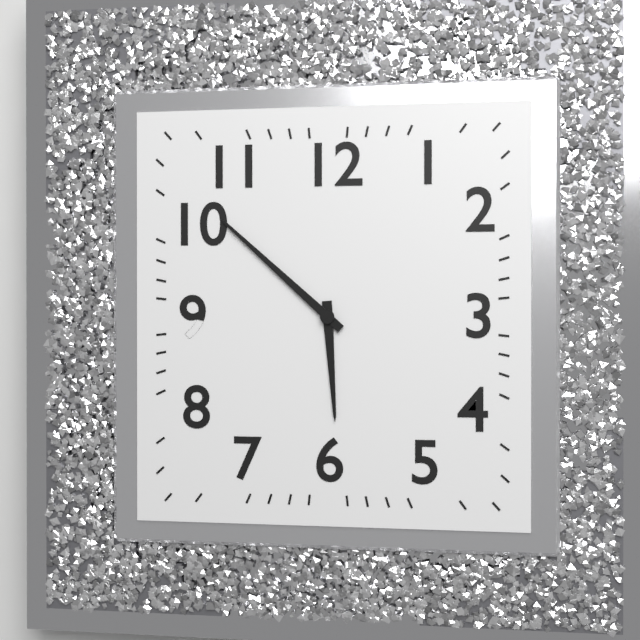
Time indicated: 5:52
